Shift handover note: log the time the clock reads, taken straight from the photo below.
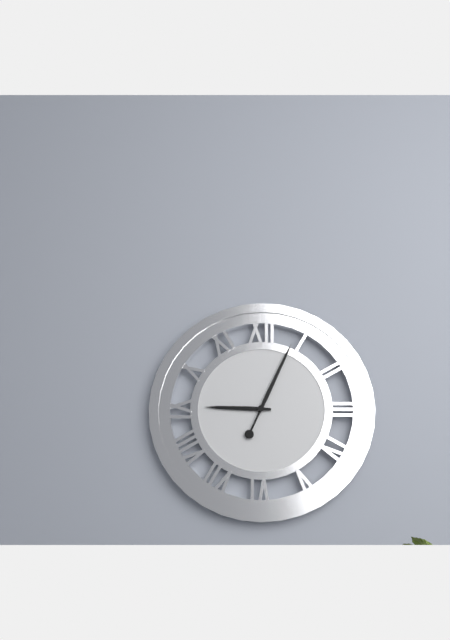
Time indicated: 9:04
